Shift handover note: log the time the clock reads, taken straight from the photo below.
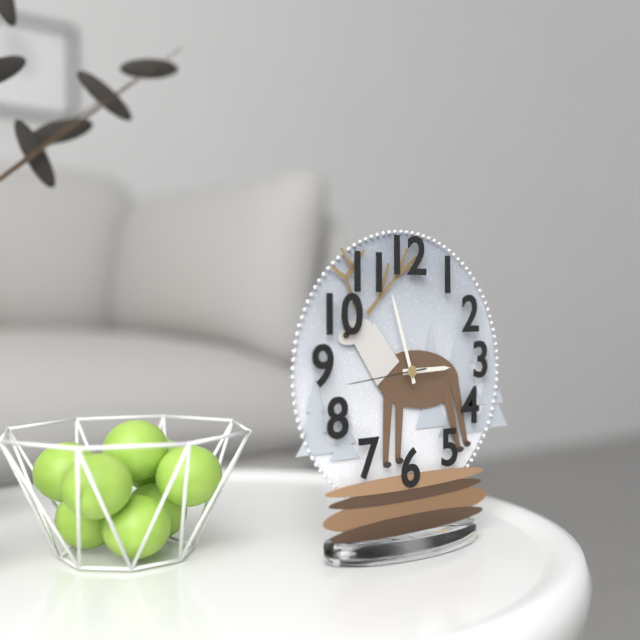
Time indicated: 2:57:44
